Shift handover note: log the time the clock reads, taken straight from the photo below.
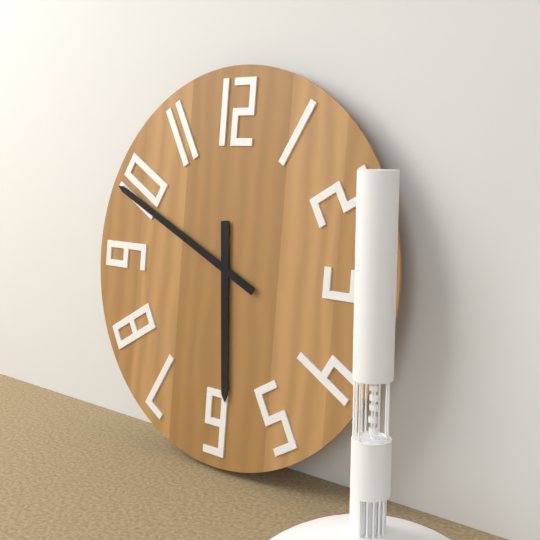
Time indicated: 5:49
